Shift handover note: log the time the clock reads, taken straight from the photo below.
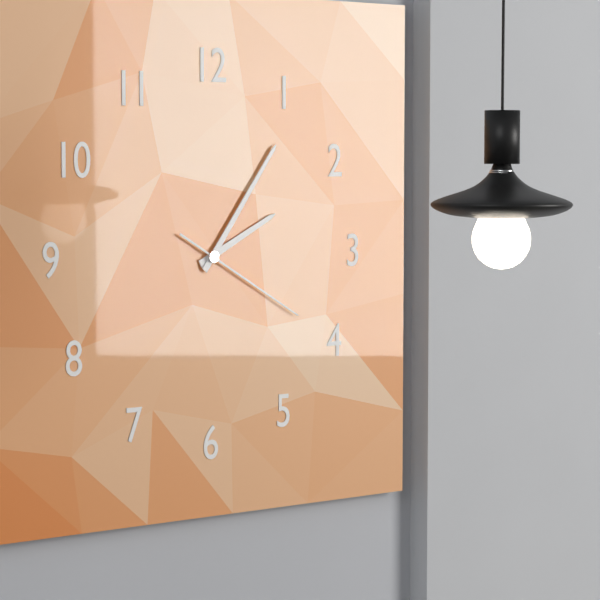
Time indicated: 2:06:20
